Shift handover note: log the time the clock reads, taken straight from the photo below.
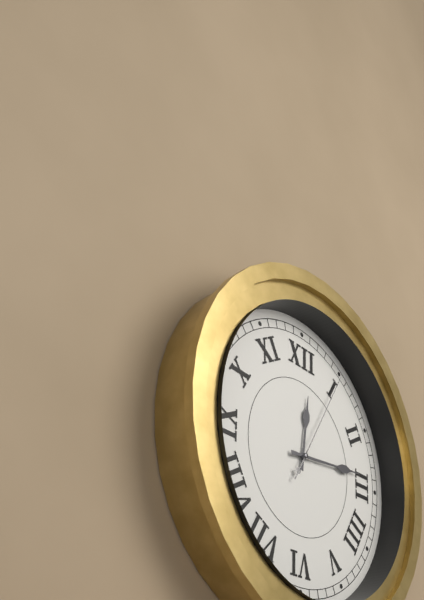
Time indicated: 12:14:05
